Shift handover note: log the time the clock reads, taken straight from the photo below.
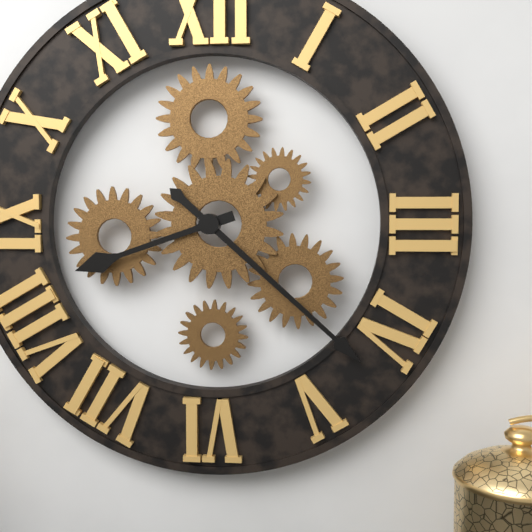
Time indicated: 8:22
